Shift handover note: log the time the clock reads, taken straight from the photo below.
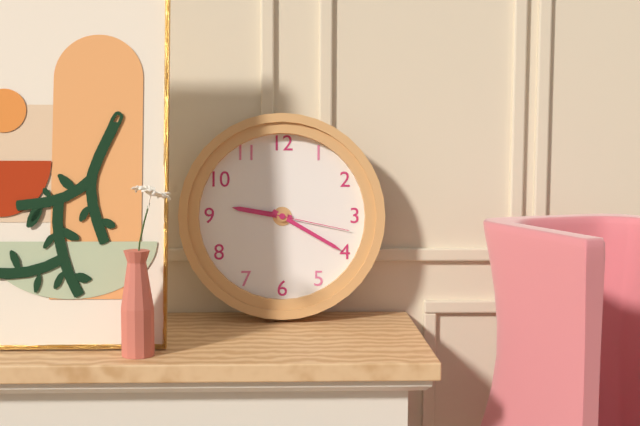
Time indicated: 9:20:17
